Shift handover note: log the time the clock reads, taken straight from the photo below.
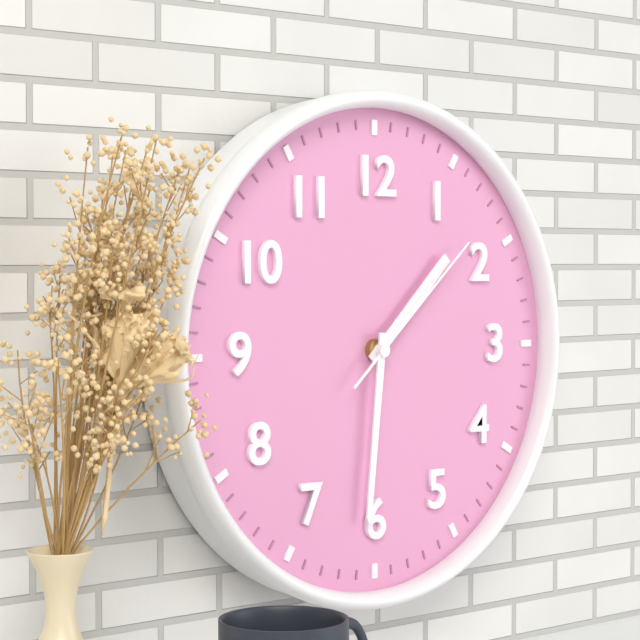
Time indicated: 1:31:08
